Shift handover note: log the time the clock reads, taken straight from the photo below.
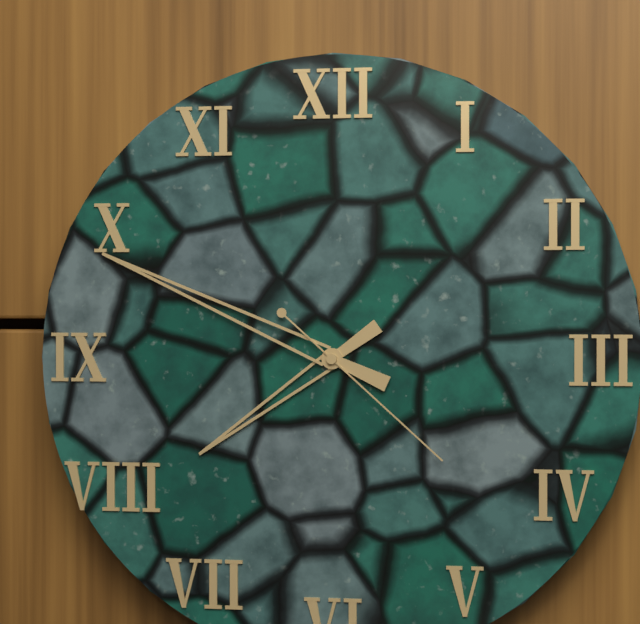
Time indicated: 7:49:22
